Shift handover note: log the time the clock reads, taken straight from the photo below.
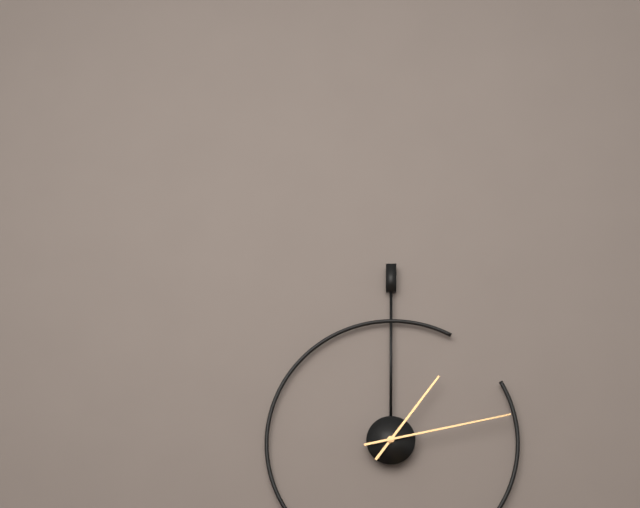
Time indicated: 1:13
